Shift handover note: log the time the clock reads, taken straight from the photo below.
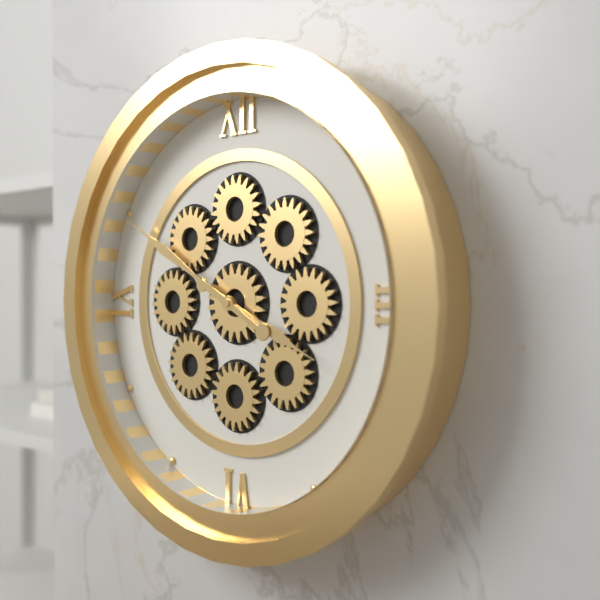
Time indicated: 3:50
